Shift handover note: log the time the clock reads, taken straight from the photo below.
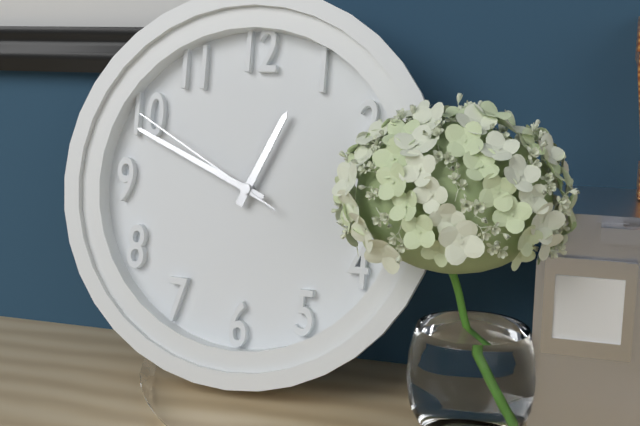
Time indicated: 12:49:50
